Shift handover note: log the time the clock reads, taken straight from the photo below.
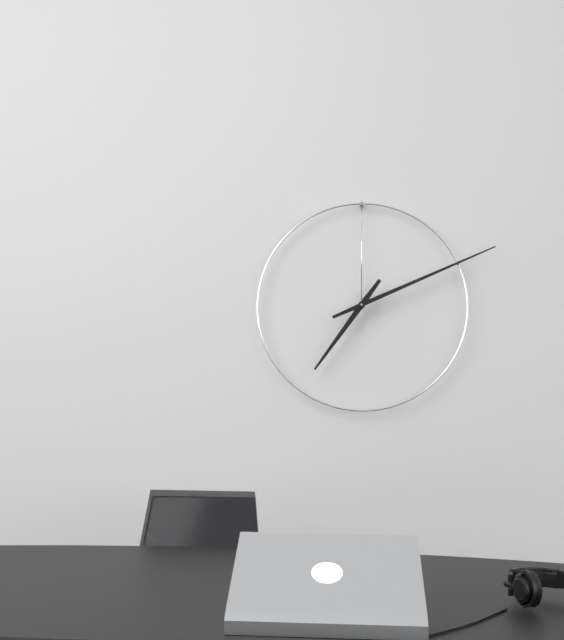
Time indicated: 7:11
